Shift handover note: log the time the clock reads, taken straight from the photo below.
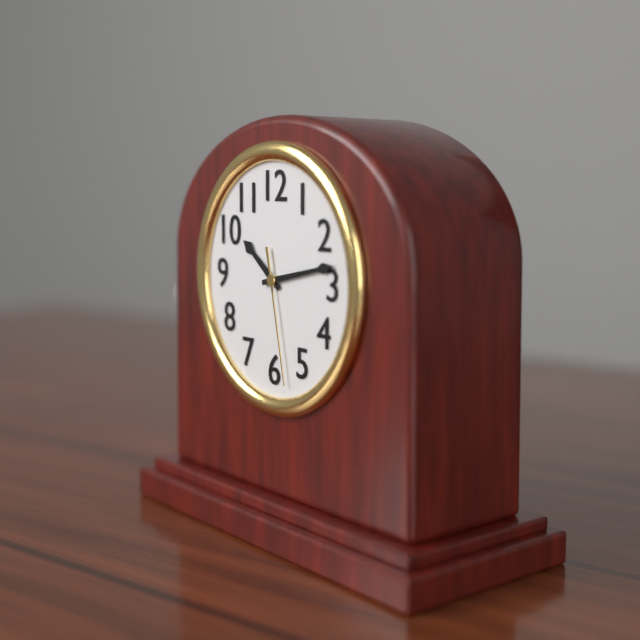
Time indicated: 10:13:28
